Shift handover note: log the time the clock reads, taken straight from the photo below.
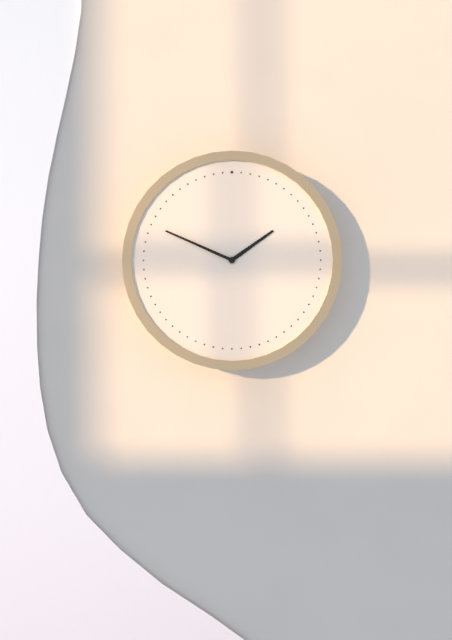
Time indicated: 1:49
